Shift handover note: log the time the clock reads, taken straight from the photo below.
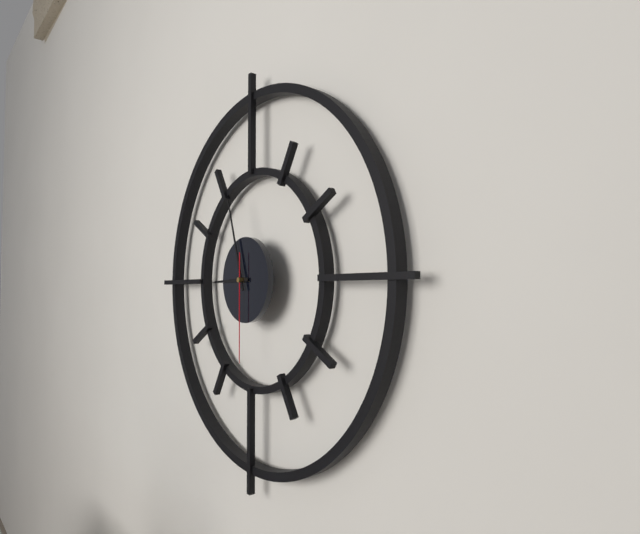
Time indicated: 8:57:30
